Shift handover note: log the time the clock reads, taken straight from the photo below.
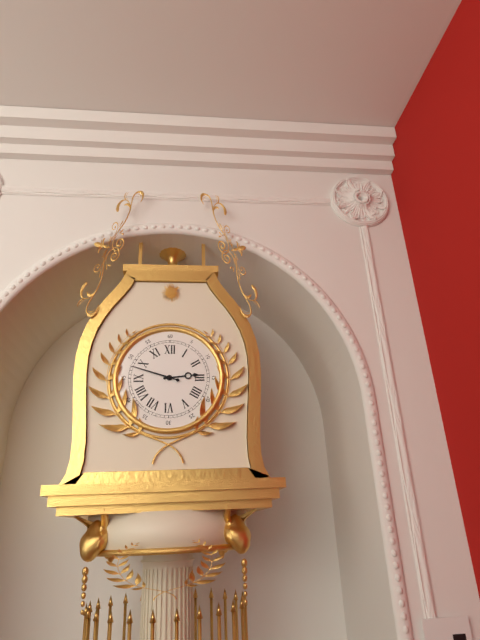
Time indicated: 2:48
